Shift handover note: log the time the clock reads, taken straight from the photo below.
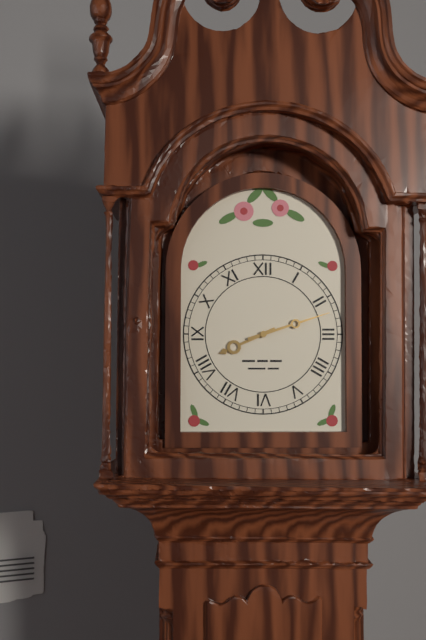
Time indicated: 8:12
